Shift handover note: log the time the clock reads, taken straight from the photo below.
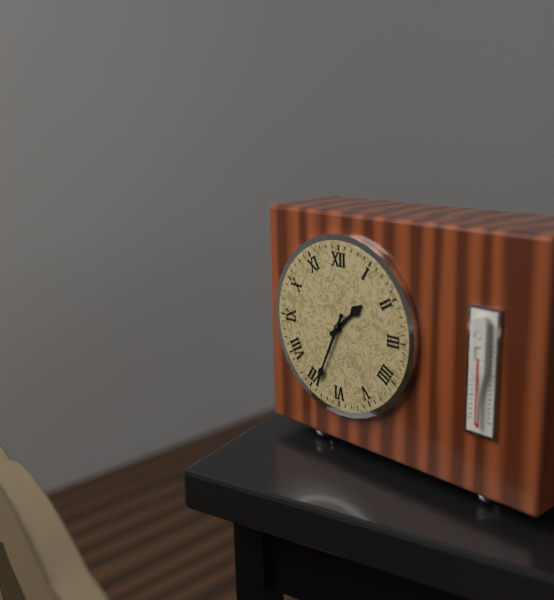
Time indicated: 1:34
